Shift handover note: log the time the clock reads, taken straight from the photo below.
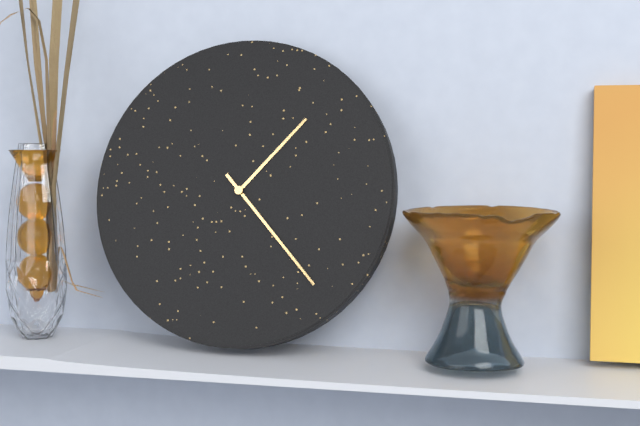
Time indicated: 1:23
